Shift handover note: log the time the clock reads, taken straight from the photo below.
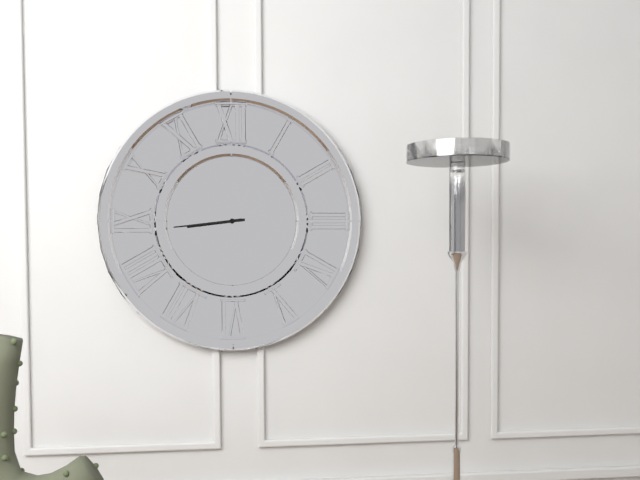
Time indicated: 8:44
